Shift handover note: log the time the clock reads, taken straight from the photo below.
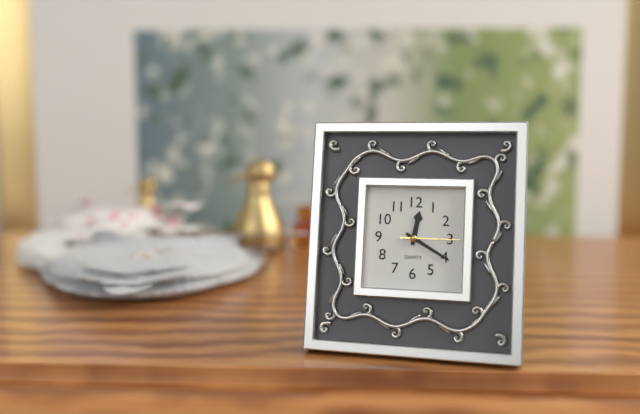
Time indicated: 12:20:15
